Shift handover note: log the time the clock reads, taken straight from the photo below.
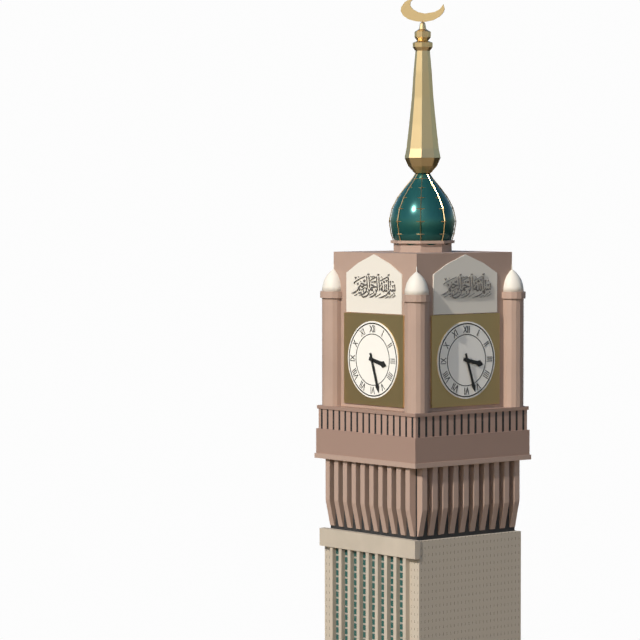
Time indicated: 3:27
